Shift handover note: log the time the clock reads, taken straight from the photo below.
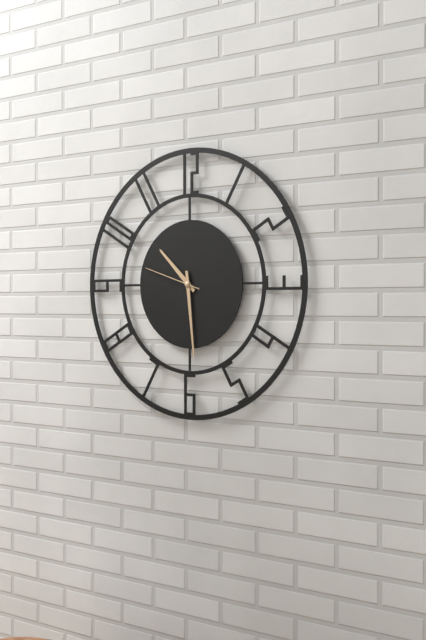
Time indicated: 10:29:48
